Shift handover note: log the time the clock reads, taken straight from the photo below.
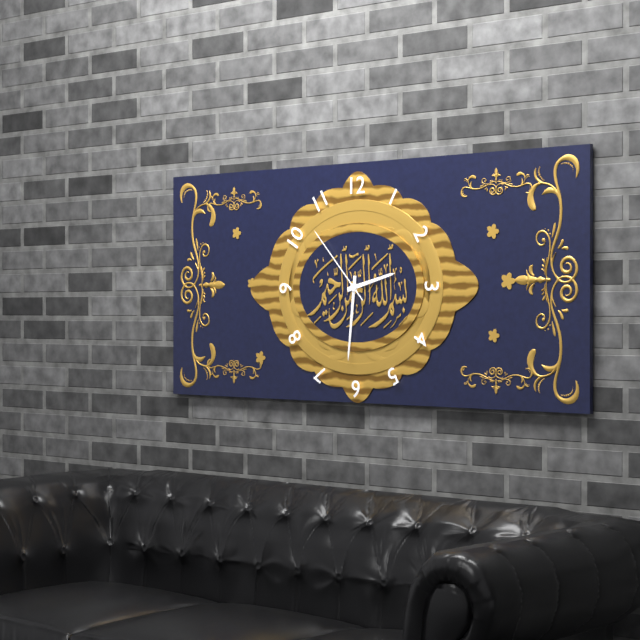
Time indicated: 2:31:53
